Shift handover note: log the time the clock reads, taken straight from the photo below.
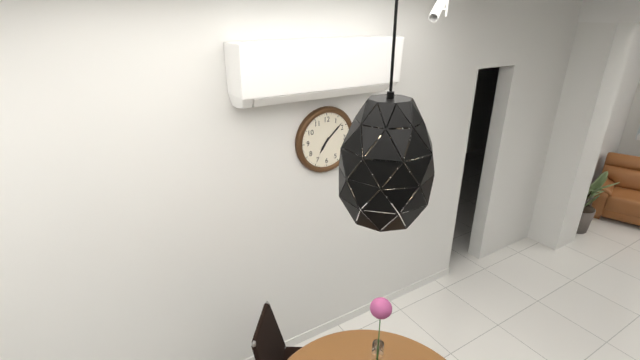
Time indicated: 7:08
